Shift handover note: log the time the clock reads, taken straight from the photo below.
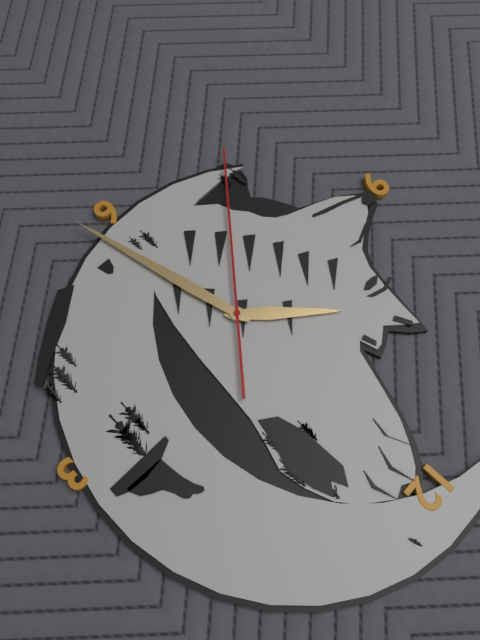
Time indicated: 10:28:37
